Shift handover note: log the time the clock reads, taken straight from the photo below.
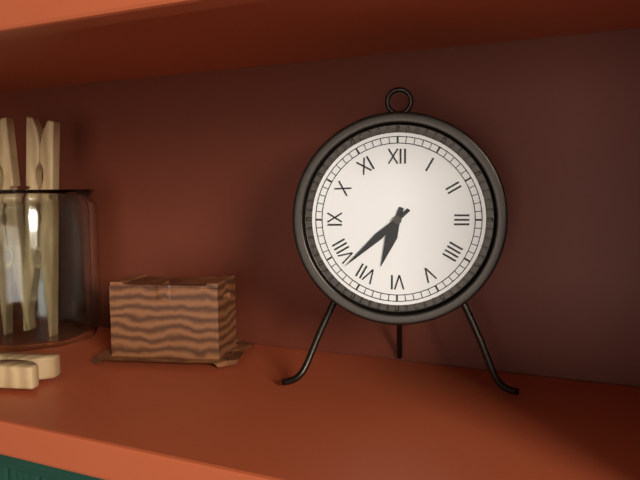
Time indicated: 6:38
